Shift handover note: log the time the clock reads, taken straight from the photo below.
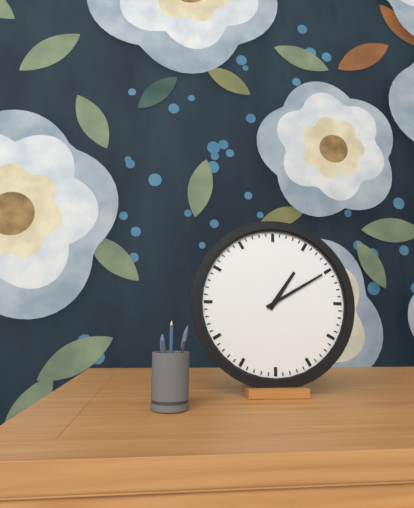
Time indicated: 1:10
